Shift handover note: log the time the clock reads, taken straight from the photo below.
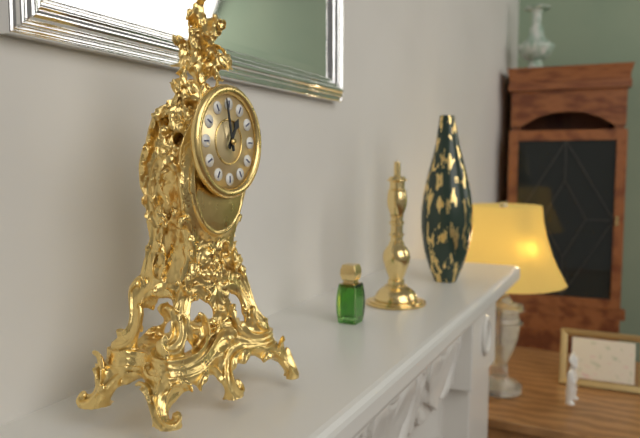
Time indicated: 12:58
